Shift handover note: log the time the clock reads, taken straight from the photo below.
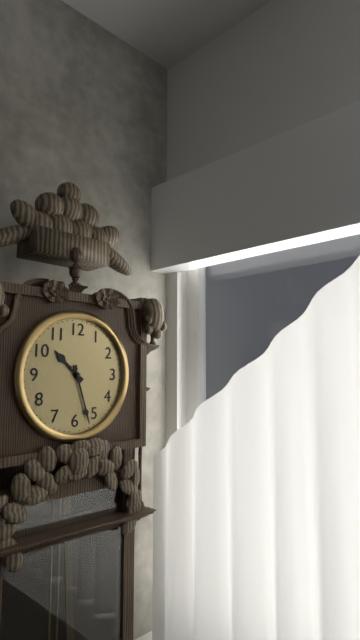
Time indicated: 10:27
